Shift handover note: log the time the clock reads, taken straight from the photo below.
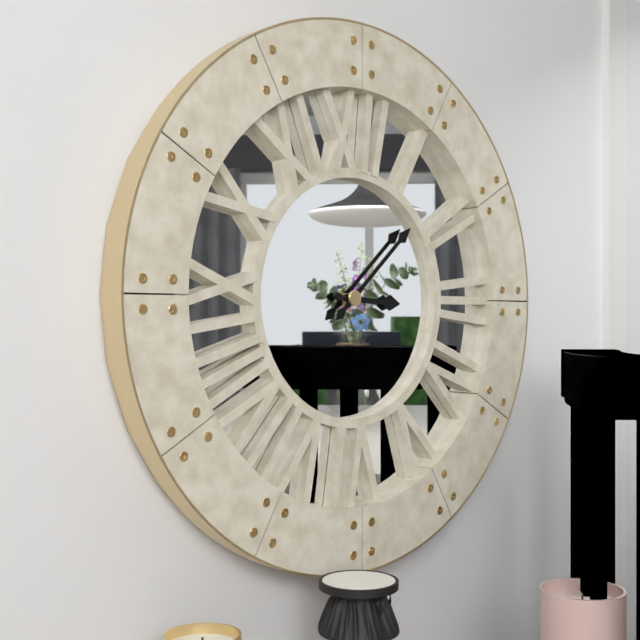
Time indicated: 3:08
